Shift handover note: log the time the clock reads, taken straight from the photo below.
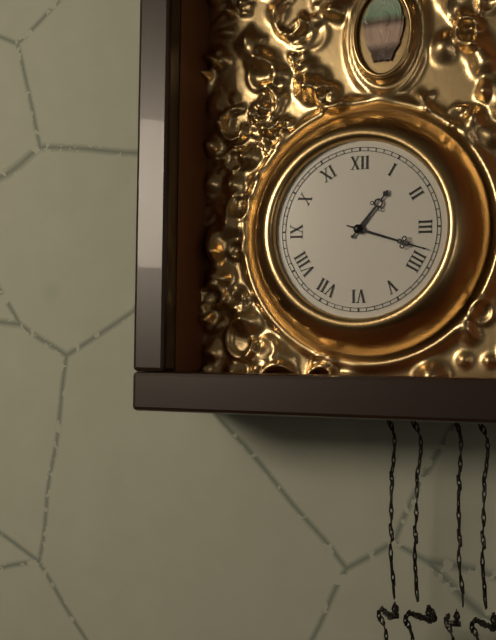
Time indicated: 1:18
